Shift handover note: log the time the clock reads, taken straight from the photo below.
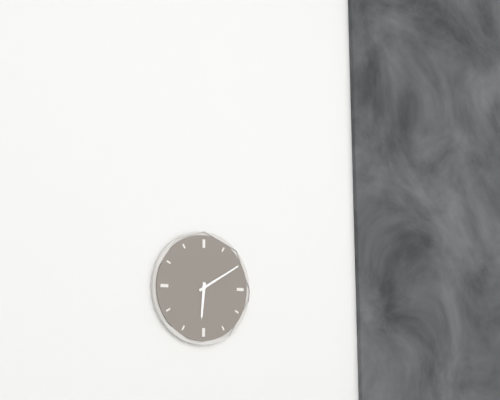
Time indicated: 6:10
